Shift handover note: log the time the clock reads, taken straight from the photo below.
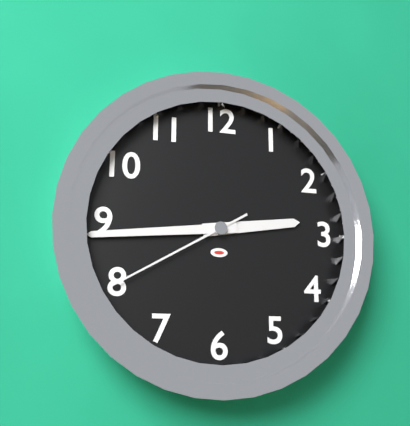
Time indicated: 2:44:40
